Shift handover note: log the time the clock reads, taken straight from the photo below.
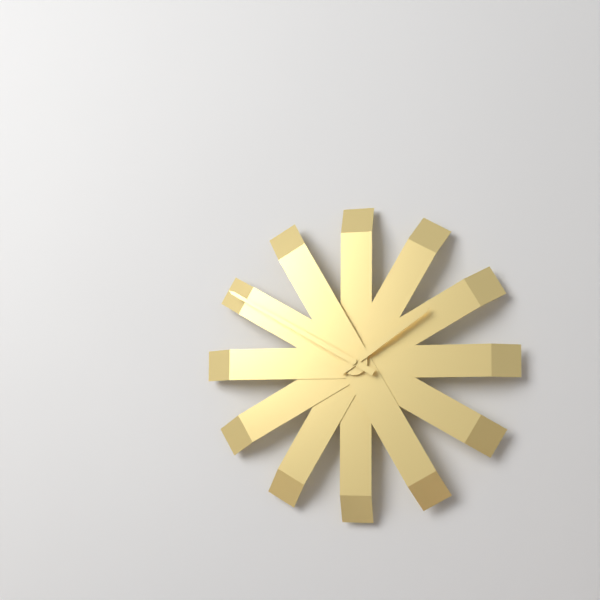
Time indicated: 1:50
